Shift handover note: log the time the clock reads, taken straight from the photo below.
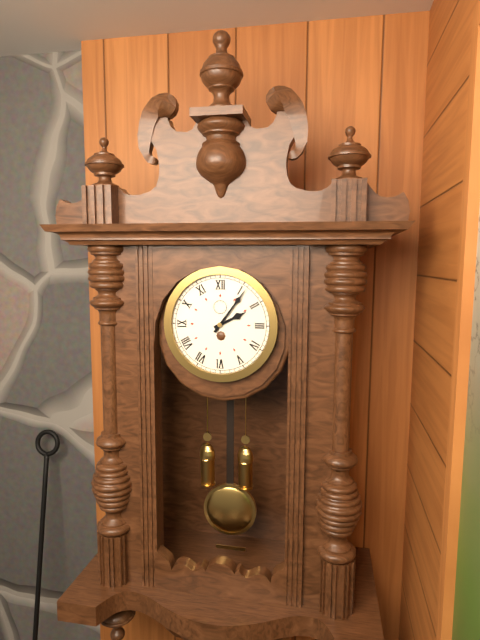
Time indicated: 2:06
